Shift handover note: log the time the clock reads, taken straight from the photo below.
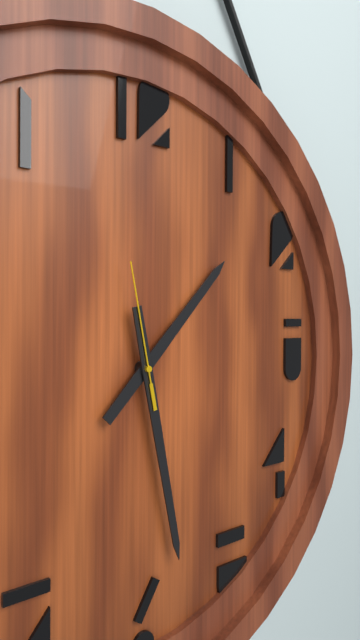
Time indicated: 1:28:58
